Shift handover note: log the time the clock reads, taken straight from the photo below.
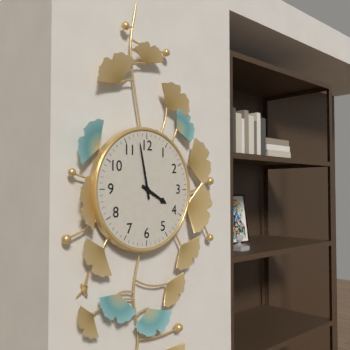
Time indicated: 3:58
